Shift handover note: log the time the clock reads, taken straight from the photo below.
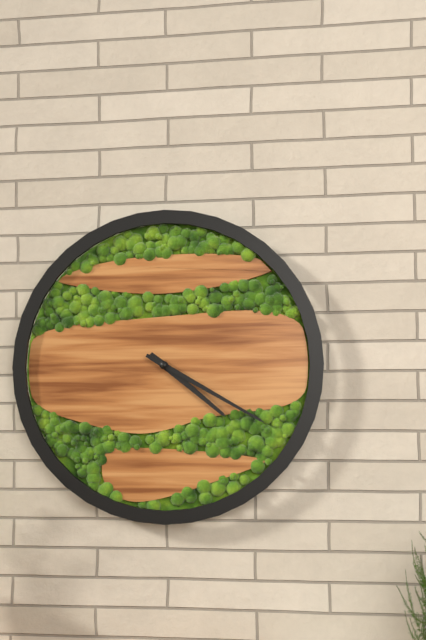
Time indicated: 4:20
